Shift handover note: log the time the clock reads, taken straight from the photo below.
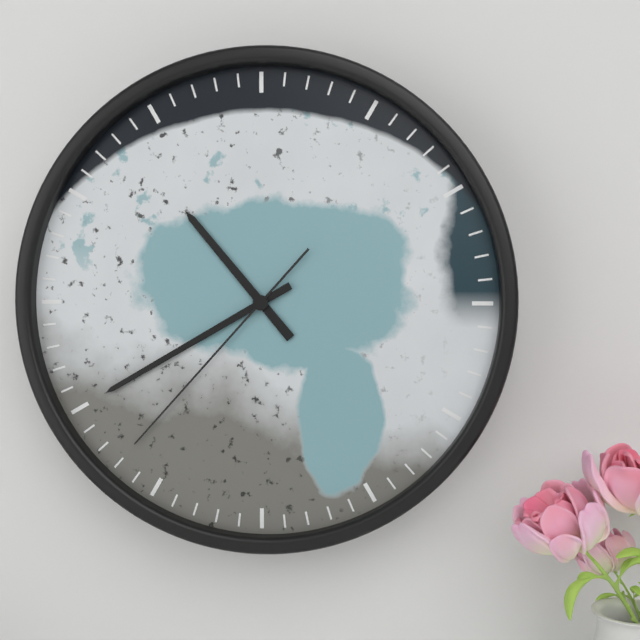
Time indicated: 10:40:37
